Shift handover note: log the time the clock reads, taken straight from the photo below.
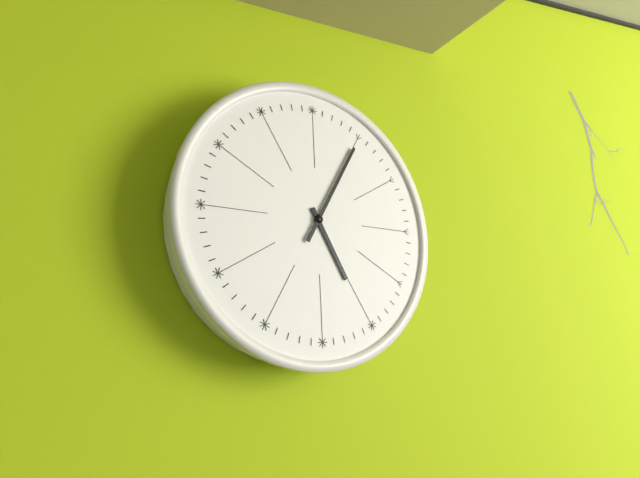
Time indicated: 5:05
